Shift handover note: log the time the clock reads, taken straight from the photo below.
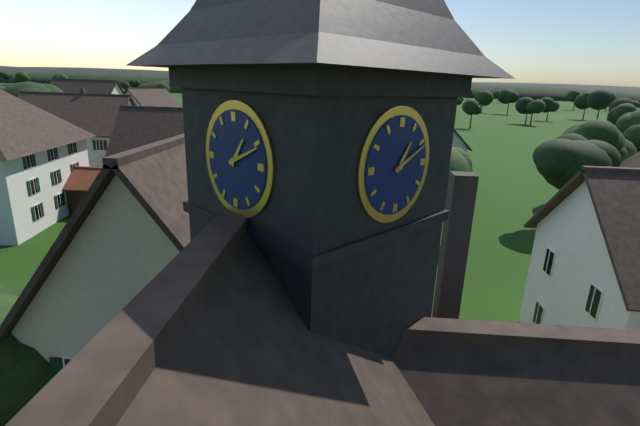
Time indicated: 1:11
